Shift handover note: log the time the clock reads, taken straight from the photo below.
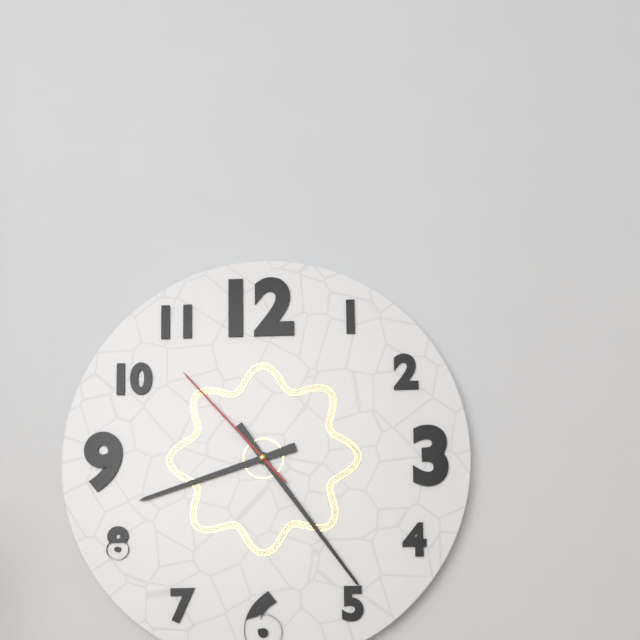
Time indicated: 8:24:53
